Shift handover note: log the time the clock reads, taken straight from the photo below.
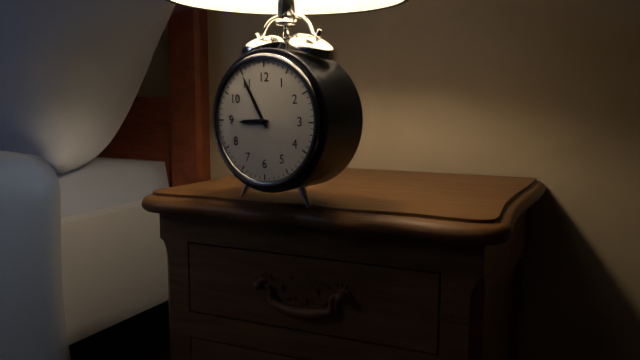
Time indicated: 8:55
